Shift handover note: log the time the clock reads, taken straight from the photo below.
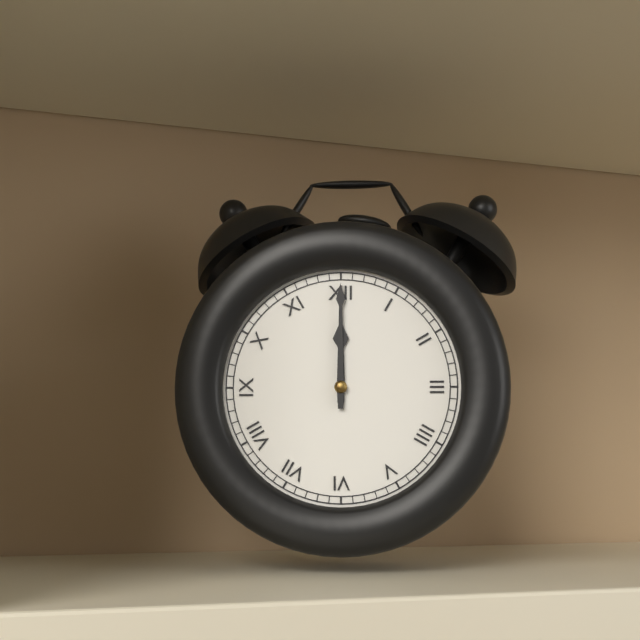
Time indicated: 12:00
